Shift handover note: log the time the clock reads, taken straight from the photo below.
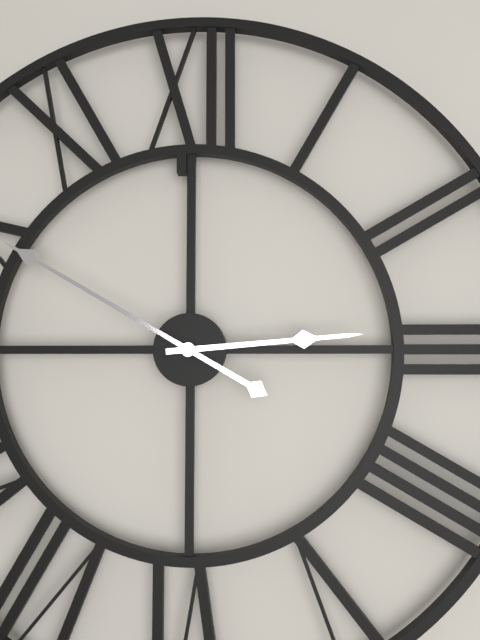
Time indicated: 2:50
